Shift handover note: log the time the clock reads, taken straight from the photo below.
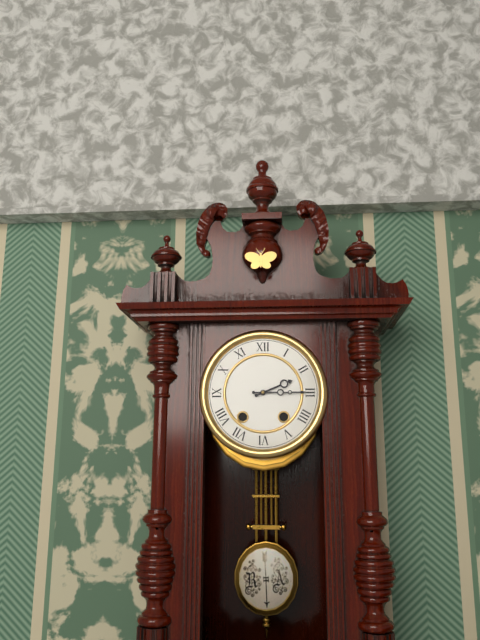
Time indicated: 2:15
